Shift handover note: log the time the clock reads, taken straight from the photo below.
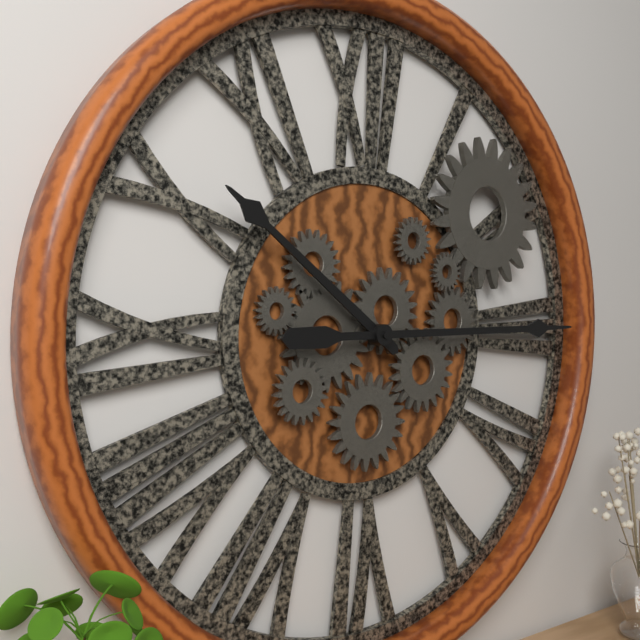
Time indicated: 10:15
